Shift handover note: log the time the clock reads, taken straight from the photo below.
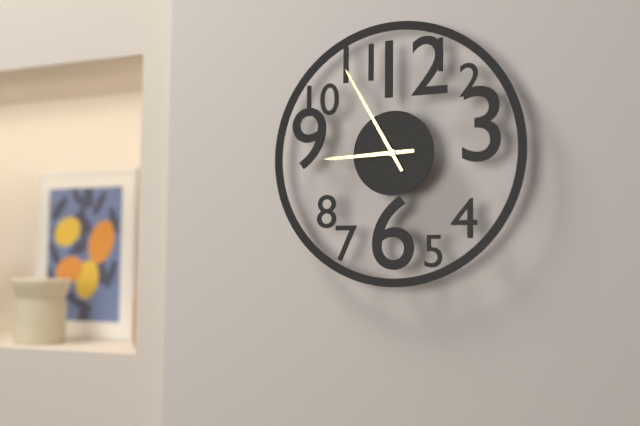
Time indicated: 8:55
